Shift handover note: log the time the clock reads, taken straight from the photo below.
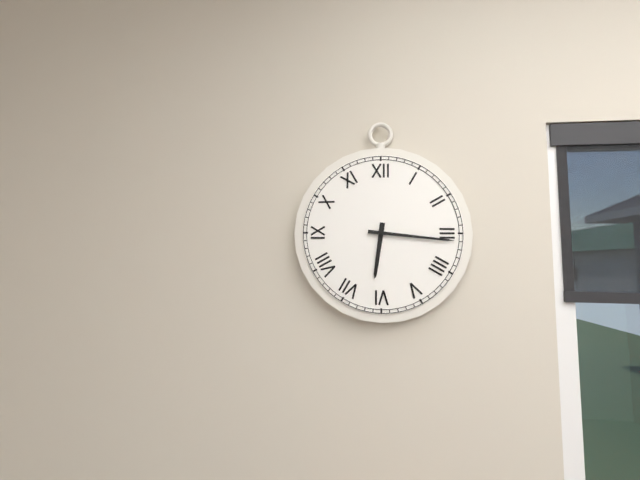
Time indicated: 6:16
